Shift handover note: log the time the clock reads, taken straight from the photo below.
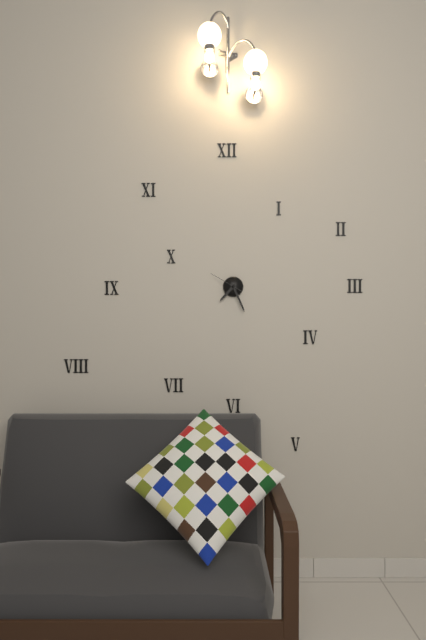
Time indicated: 7:26
